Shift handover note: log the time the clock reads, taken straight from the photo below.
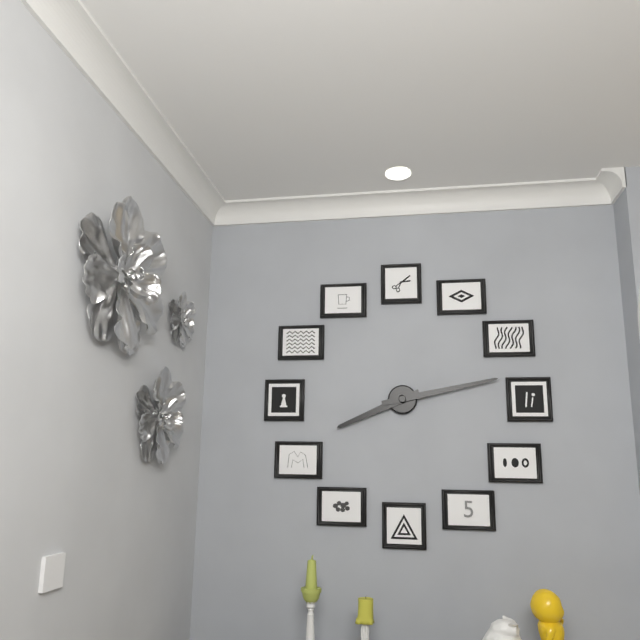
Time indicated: 8:13
